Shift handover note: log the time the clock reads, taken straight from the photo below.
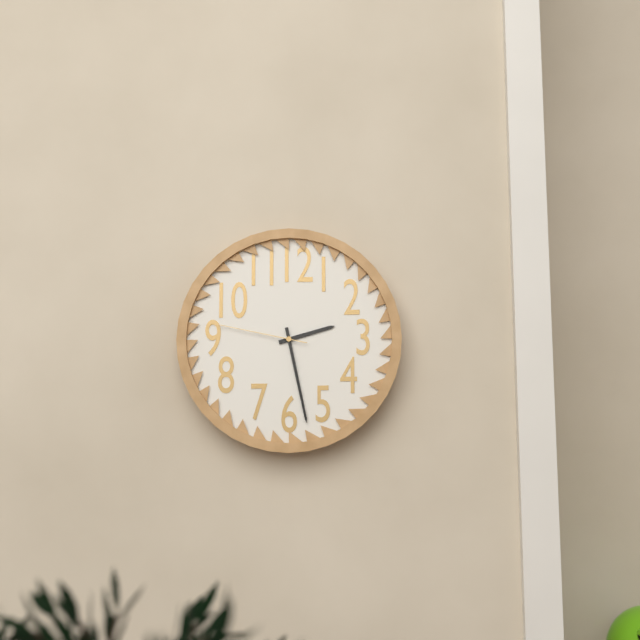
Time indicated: 2:28:47
